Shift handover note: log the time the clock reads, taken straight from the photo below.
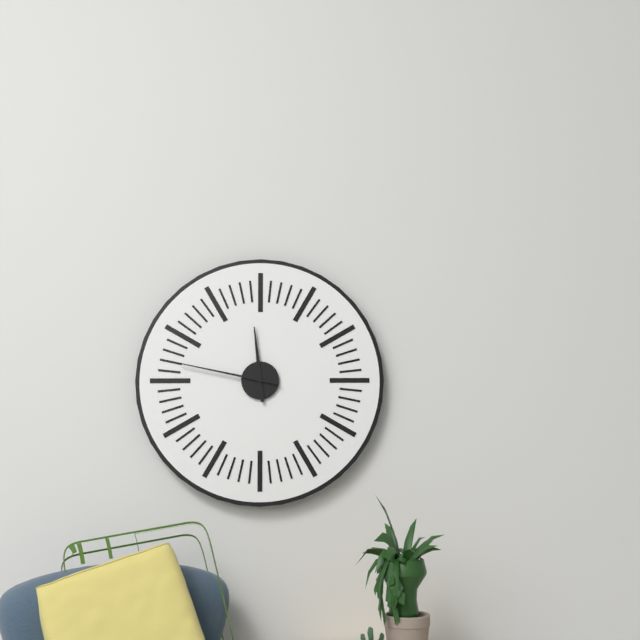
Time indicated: 11:47
